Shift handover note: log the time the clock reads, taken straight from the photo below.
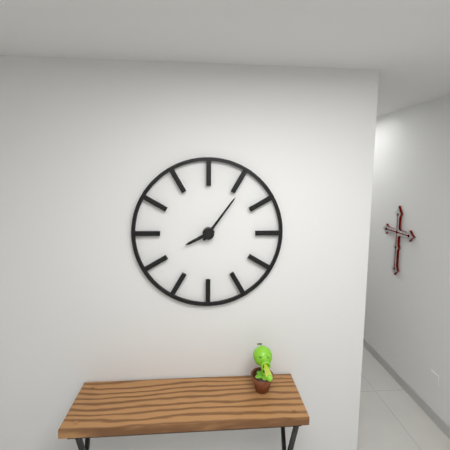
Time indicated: 8:06
